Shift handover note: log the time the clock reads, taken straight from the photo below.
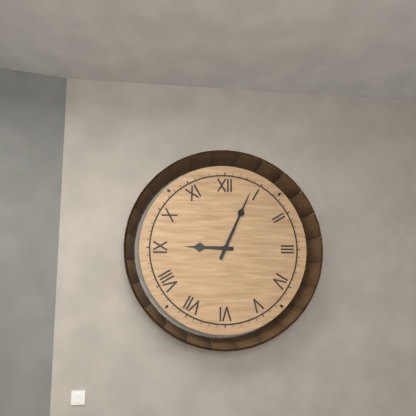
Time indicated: 9:04
